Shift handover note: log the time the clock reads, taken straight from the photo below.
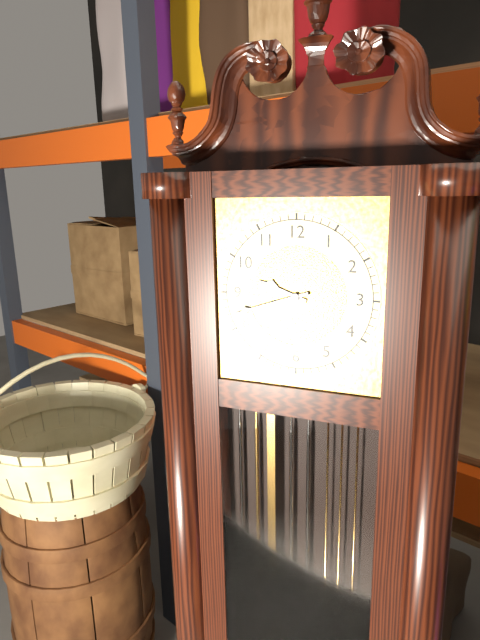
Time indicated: 9:42
